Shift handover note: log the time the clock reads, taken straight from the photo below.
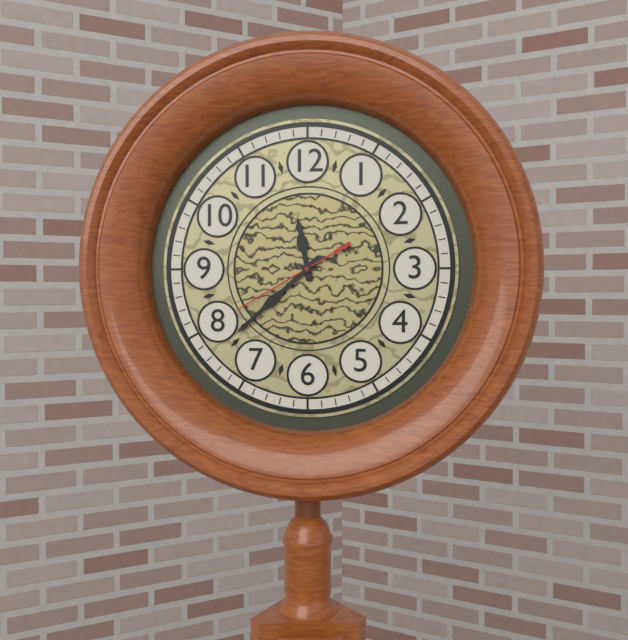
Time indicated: 11:38:40
